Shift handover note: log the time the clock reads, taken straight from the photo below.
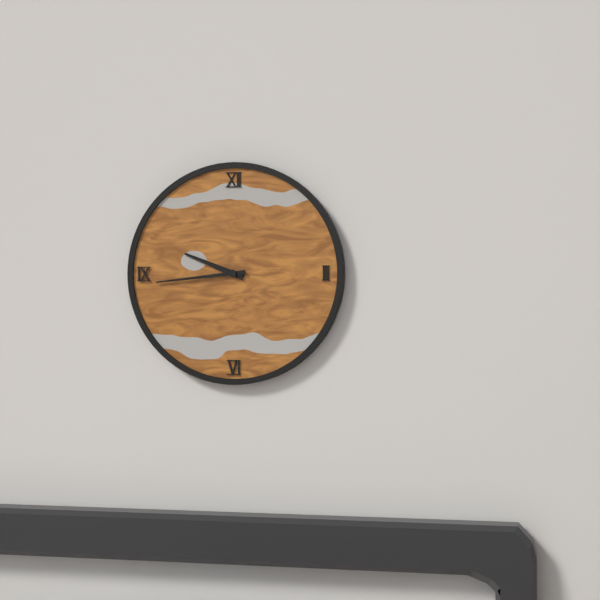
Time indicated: 9:44
